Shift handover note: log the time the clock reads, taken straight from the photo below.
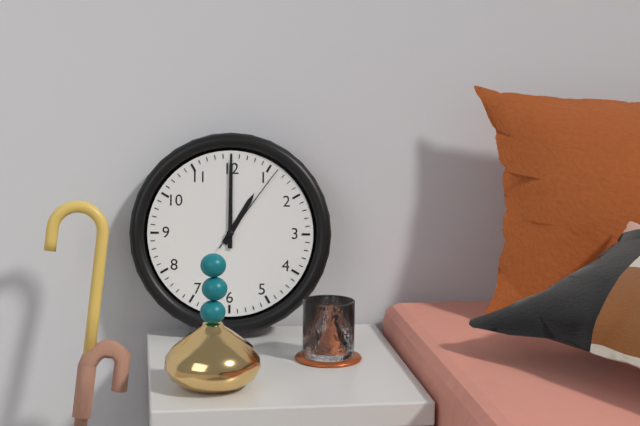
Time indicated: 1:00:06
